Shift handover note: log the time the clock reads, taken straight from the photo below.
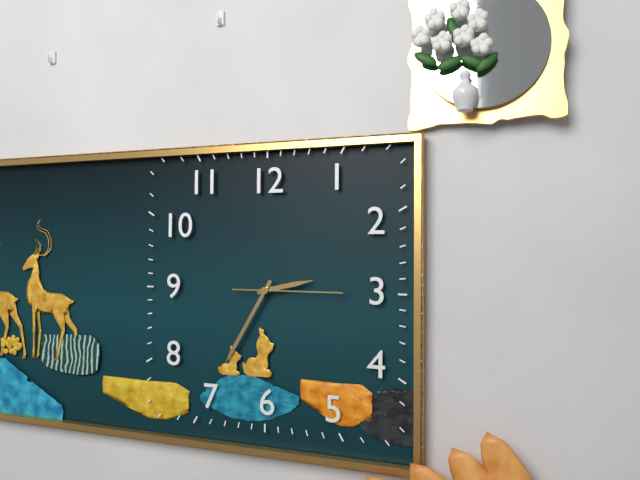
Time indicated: 2:35:15
